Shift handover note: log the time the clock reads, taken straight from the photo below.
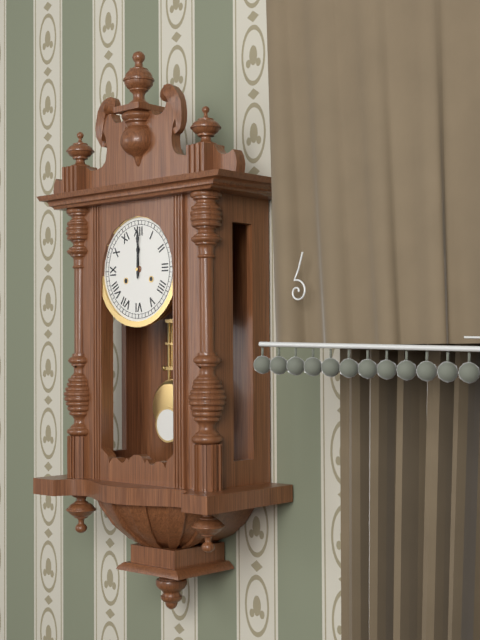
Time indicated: 12:00
